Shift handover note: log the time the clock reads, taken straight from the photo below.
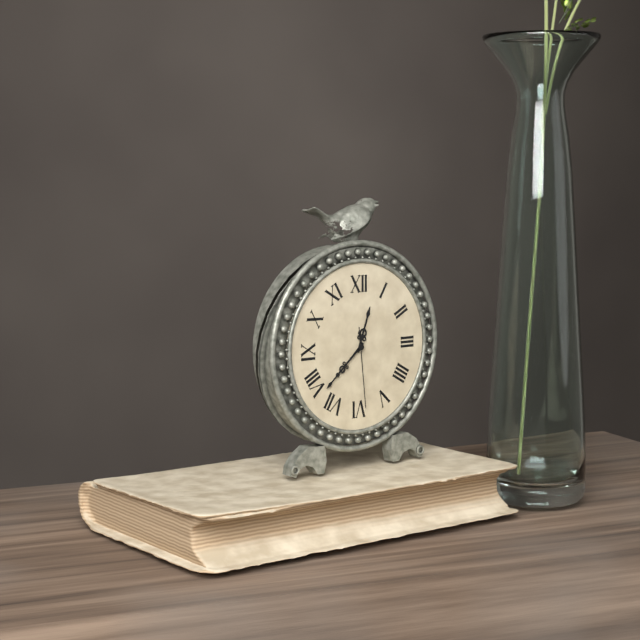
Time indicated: 12:38:29
